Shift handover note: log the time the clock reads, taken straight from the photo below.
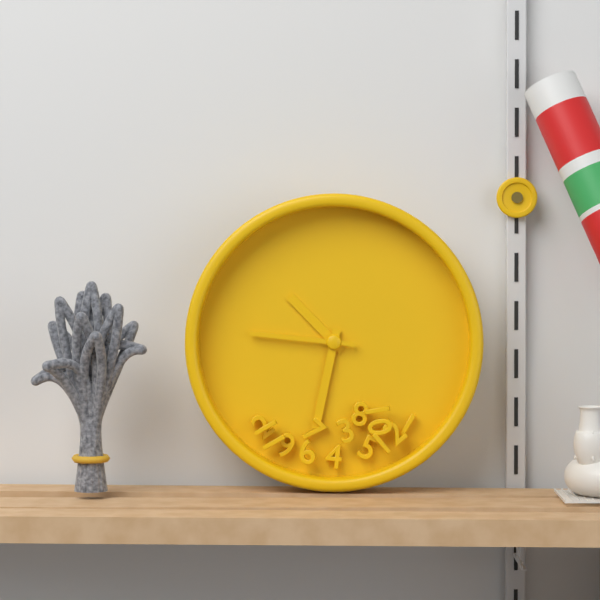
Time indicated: 10:32:46
